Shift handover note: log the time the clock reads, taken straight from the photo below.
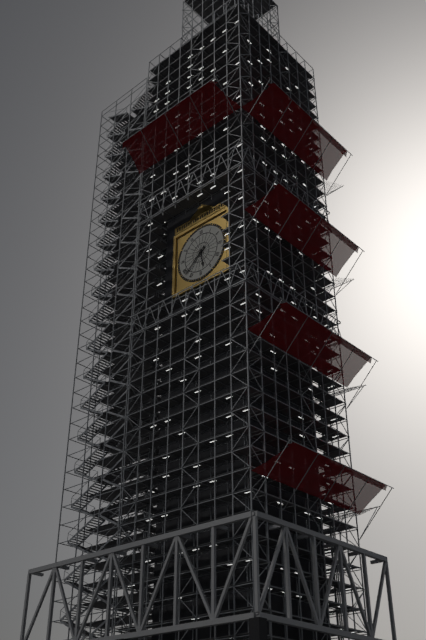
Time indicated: 5:38
